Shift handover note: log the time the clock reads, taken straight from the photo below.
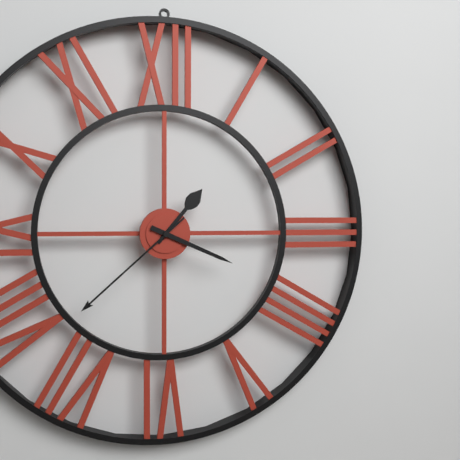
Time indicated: 1:19:38
